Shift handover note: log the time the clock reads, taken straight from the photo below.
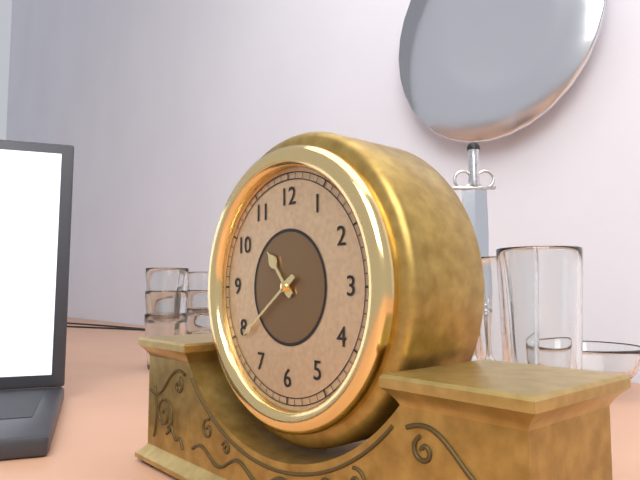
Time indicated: 10:39
